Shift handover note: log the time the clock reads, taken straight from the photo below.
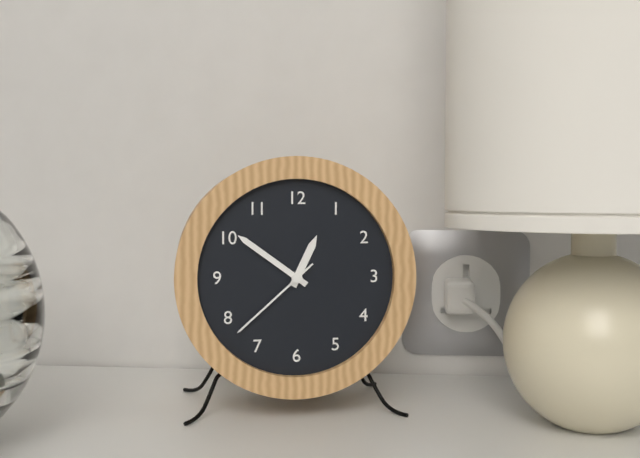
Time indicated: 12:51:38
